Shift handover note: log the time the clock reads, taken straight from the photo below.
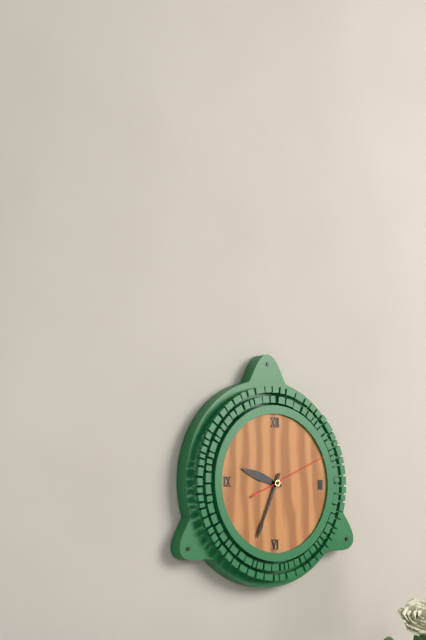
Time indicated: 9:34:11
